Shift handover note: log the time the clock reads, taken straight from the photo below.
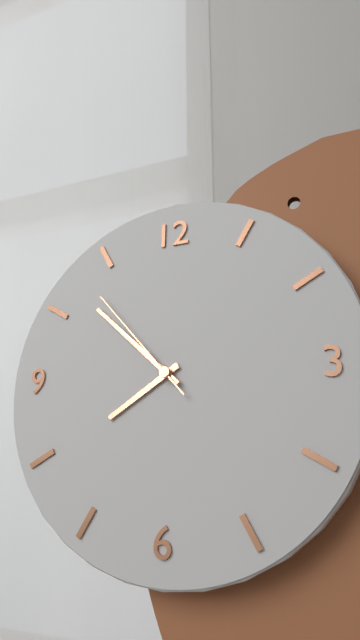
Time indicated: 7:52:53
